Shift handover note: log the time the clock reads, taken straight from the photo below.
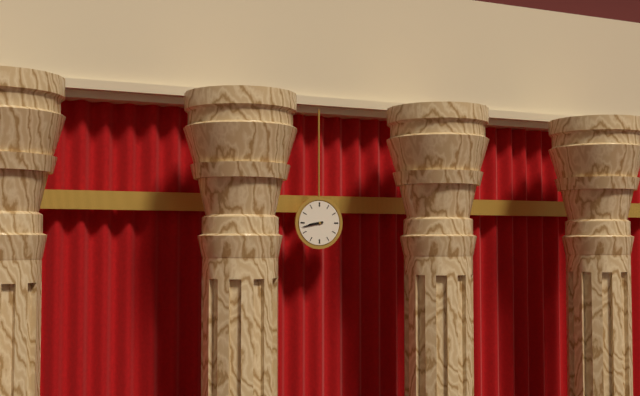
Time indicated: 8:43
